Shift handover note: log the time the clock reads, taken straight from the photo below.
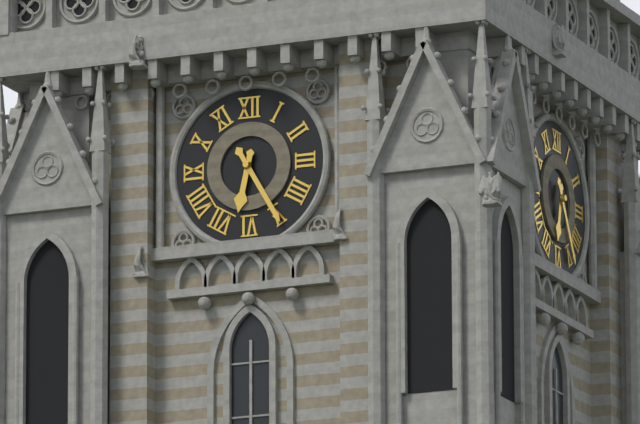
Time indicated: 6:25
